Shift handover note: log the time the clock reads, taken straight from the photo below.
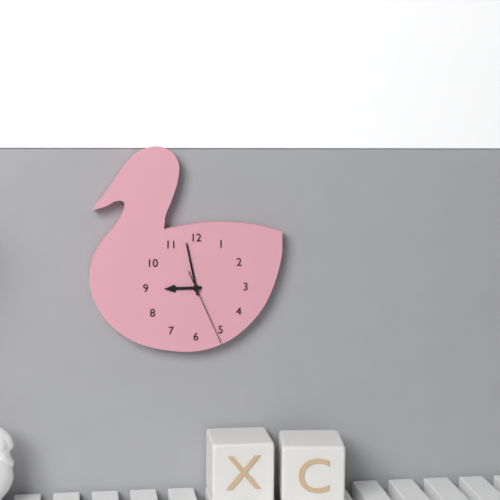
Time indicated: 8:58:26
